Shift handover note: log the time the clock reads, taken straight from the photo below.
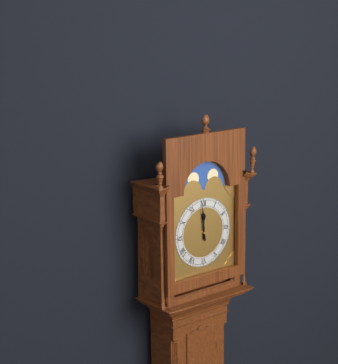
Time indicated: 11:59
